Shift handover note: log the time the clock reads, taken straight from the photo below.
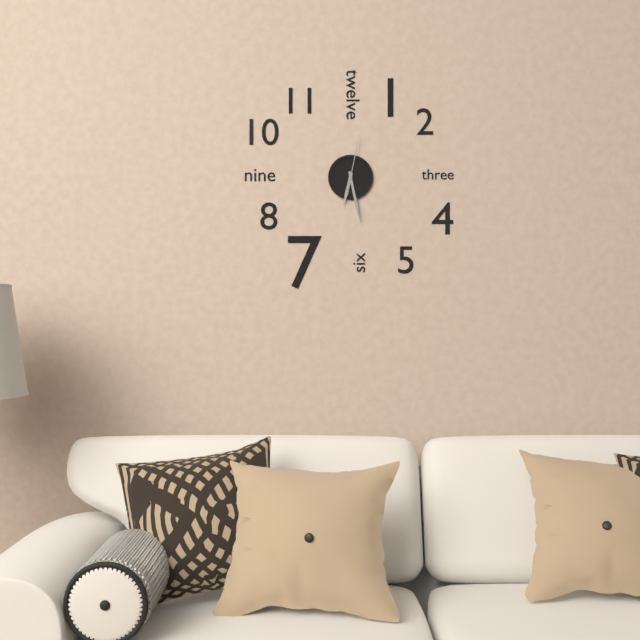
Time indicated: 6:28:02
